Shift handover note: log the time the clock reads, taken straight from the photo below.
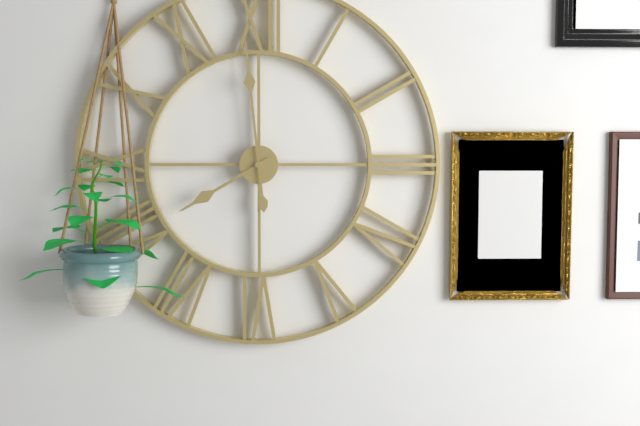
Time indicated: 7:59
